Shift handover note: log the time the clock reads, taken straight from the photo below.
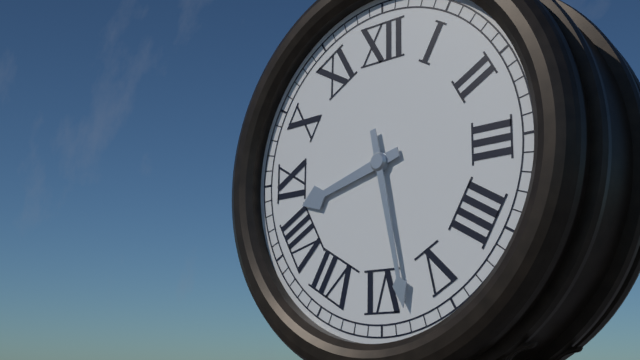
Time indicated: 8:28
